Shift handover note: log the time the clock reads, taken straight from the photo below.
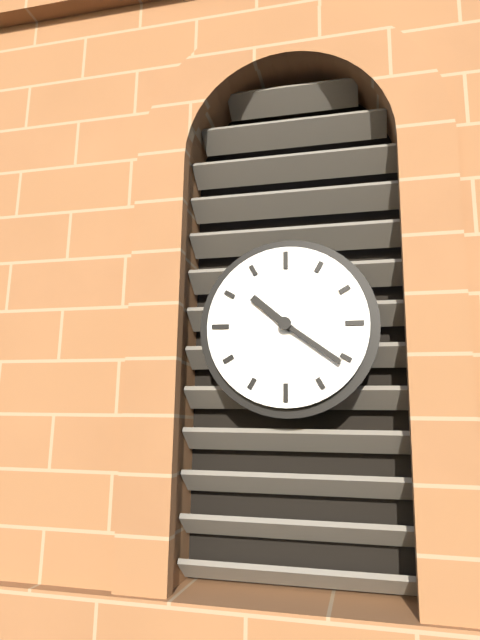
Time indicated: 10:21
